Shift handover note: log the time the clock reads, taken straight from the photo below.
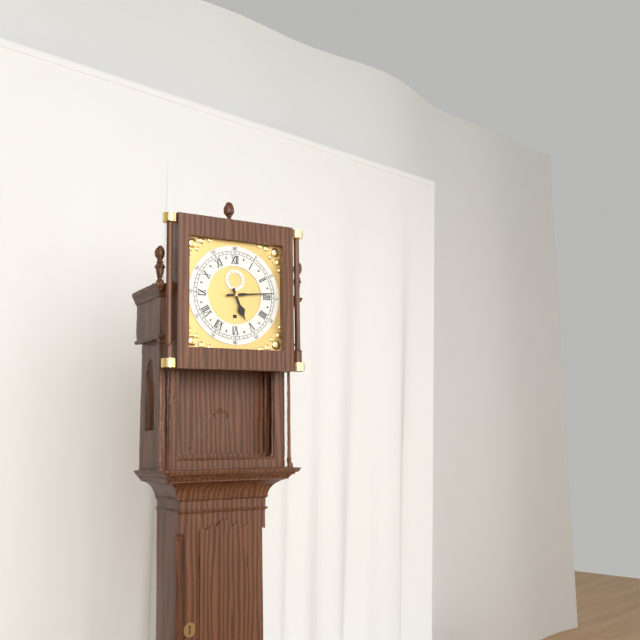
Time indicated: 5:14
